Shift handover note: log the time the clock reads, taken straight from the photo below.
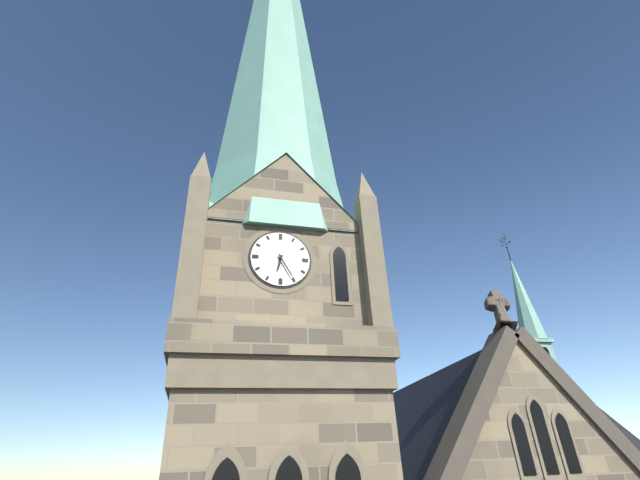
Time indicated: 6:25
